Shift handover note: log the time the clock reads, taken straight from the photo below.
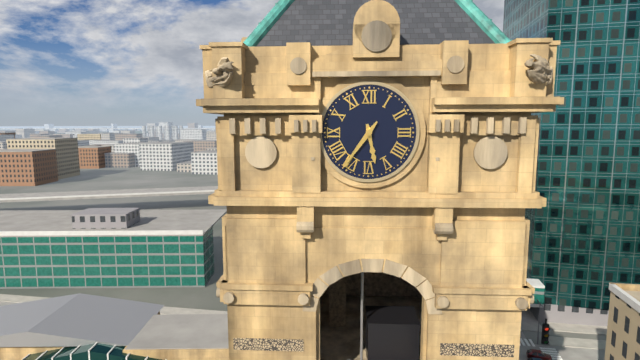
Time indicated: 5:36
